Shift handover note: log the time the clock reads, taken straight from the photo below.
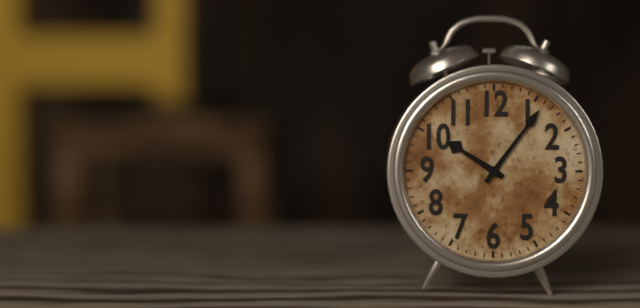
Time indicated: 10:06
